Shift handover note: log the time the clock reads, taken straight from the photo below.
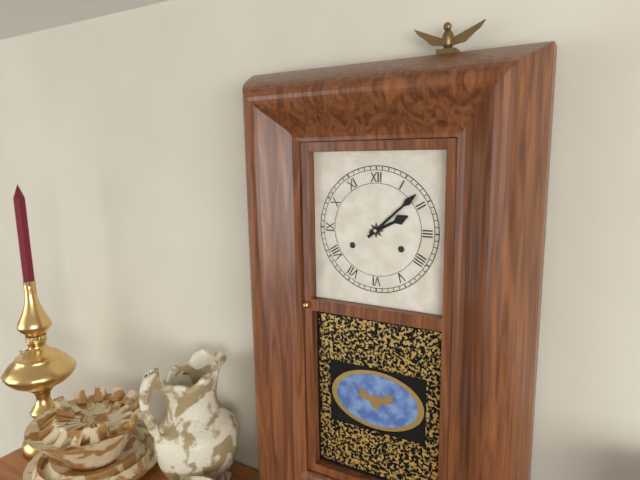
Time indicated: 2:08
